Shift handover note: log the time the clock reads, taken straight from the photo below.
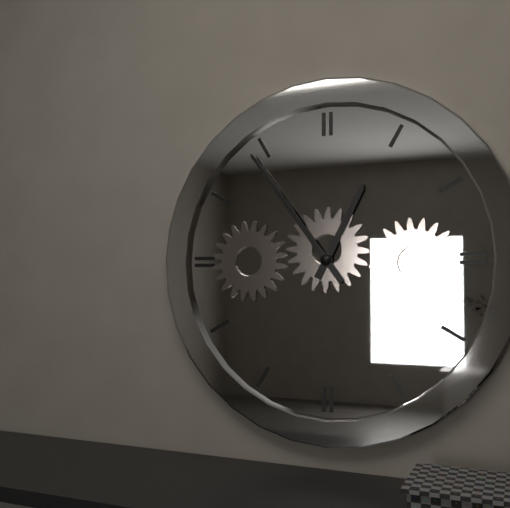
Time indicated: 12:54
